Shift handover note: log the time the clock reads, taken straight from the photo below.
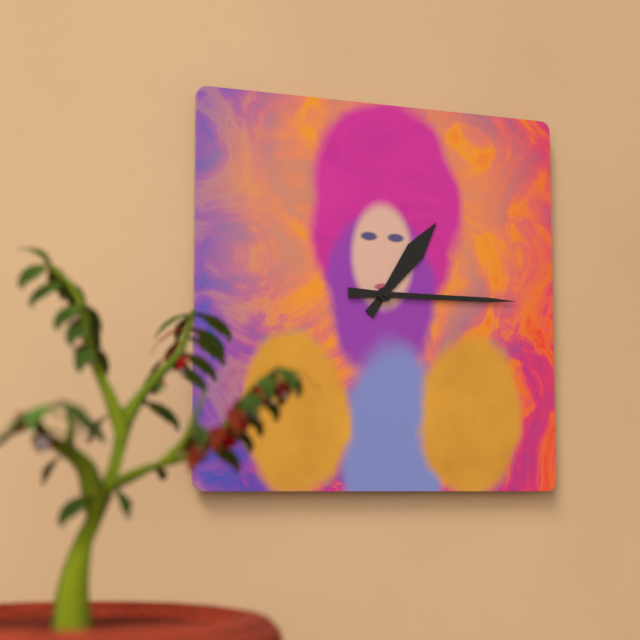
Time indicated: 1:15
